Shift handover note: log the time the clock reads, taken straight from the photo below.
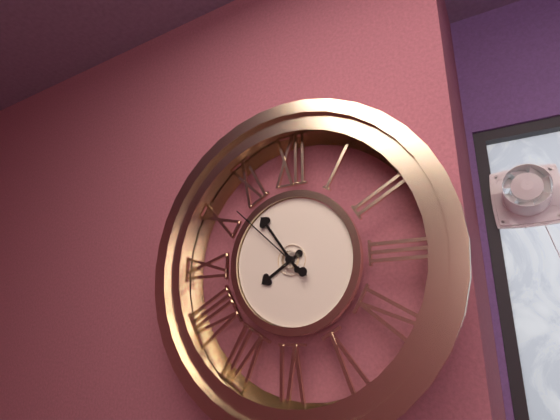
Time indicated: 7:54:52
